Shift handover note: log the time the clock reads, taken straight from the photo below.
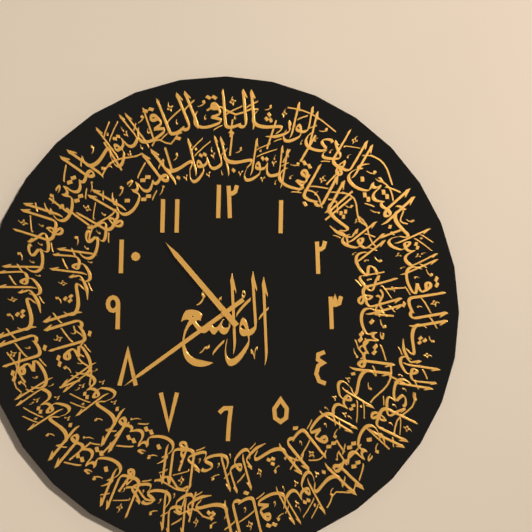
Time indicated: 10:39
